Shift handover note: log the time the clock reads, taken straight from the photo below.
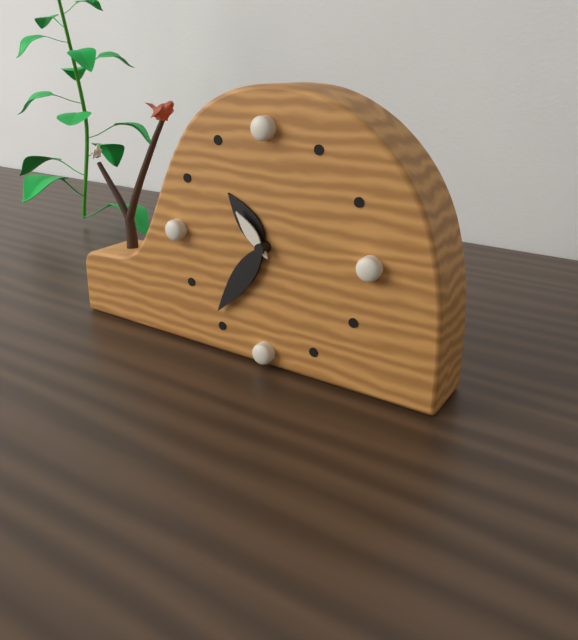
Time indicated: 10:36:53
